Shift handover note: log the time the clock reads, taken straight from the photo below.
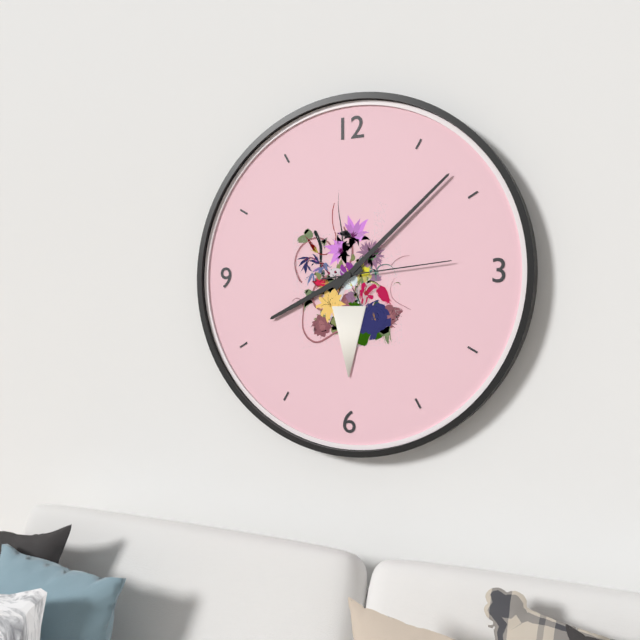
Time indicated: 8:08:14
